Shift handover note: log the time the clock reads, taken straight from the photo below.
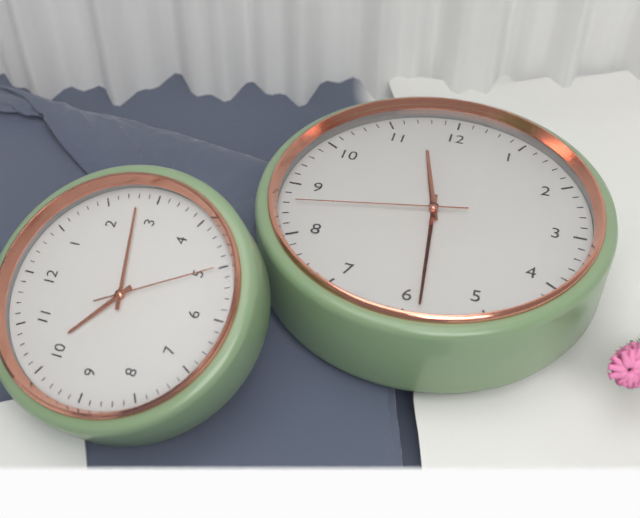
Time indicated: 11:29:43
